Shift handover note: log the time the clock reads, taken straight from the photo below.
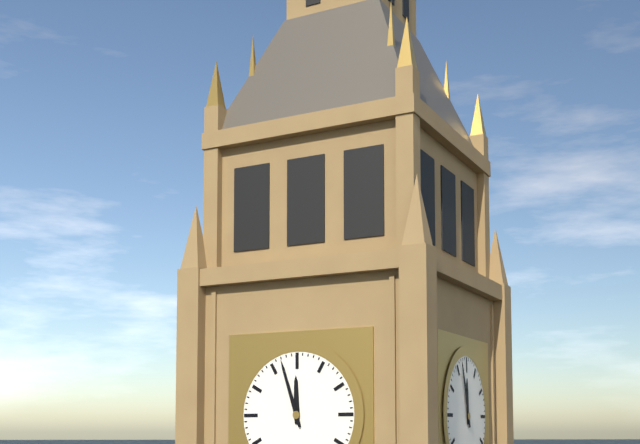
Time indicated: 11:57
